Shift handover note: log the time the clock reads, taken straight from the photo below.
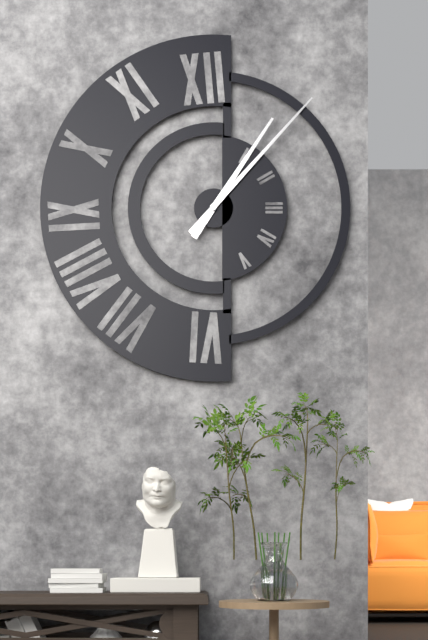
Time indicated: 1:07
